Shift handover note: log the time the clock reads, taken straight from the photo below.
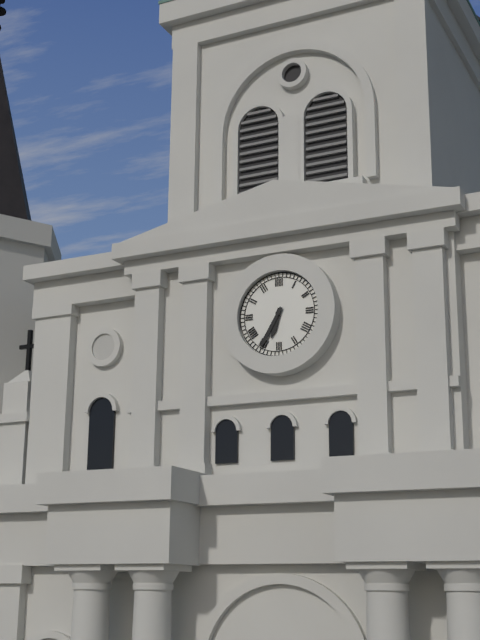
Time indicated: 6:35
